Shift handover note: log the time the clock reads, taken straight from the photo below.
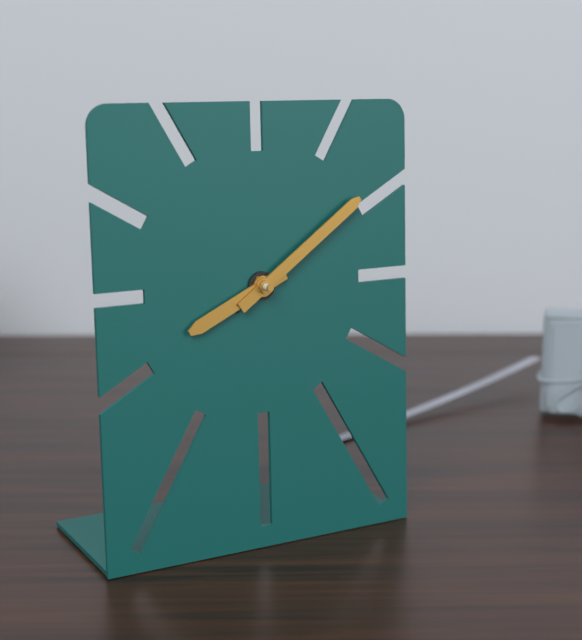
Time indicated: 8:09
